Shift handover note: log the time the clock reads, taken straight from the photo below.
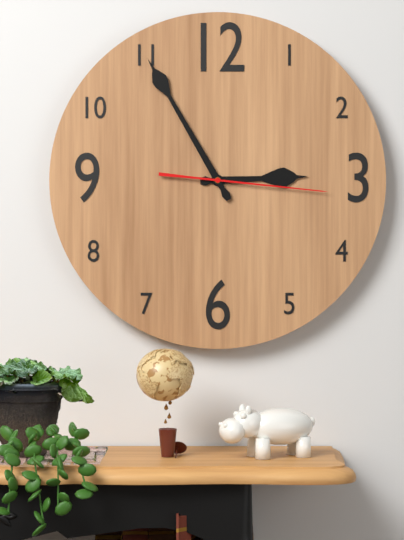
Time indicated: 2:55:16
